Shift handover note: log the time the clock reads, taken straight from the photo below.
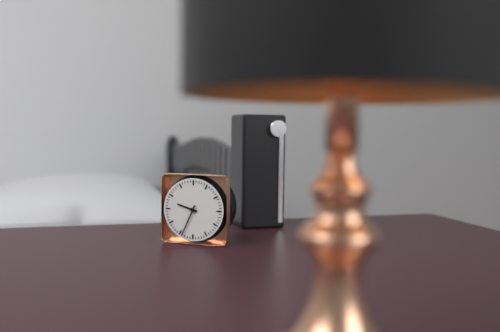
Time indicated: 9:34
